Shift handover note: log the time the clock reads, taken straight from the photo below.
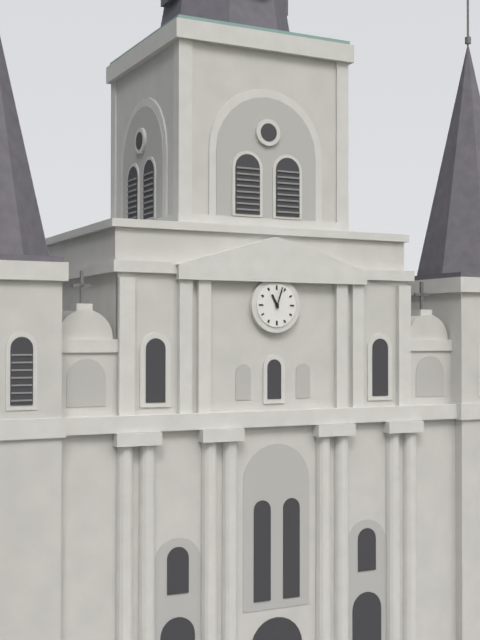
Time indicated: 11:03
